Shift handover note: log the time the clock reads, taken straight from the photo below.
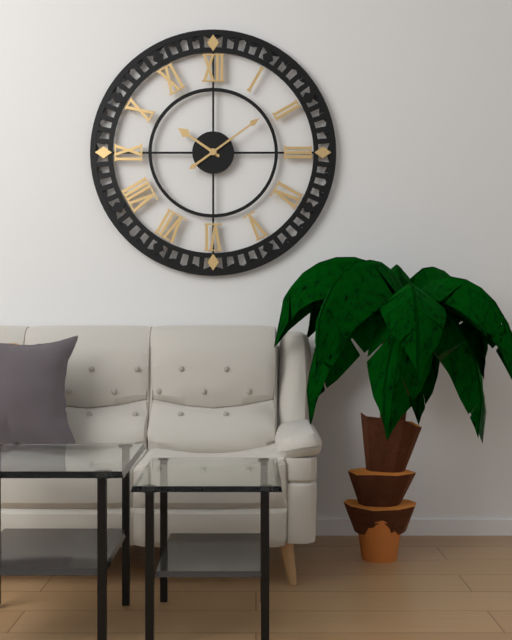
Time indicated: 10:09
